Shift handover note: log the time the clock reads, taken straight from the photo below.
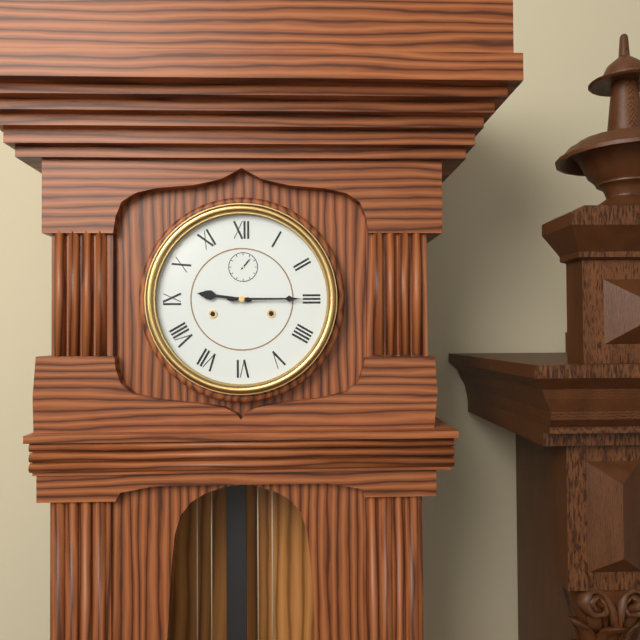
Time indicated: 9:15
